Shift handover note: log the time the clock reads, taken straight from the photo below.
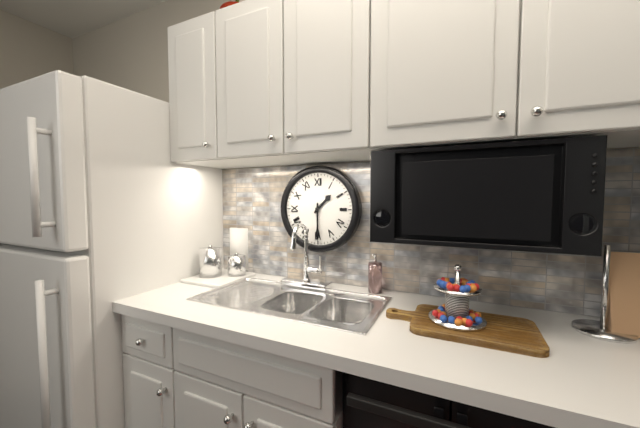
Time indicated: 1:30
